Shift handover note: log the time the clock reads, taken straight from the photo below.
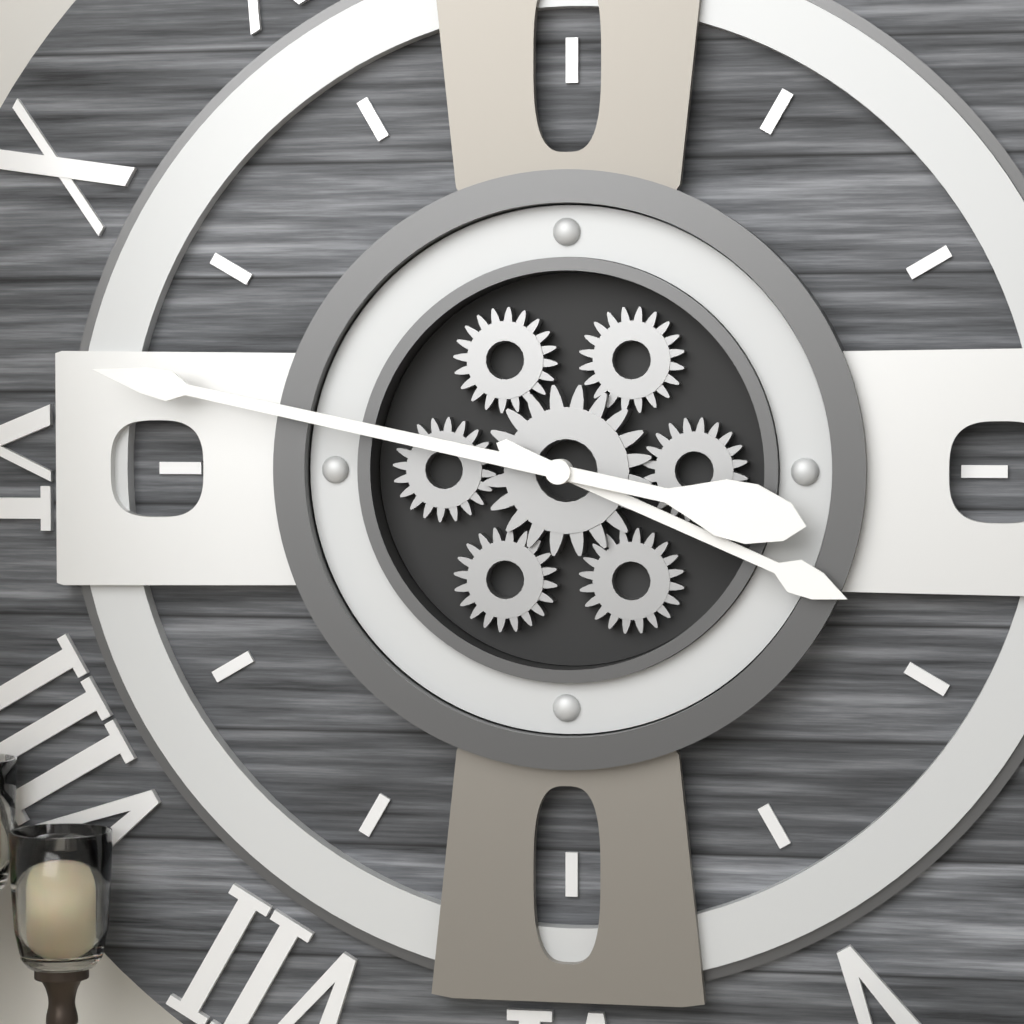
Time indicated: 3:47
